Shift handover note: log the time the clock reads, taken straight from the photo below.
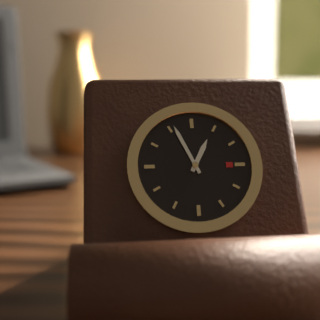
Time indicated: 12:56
